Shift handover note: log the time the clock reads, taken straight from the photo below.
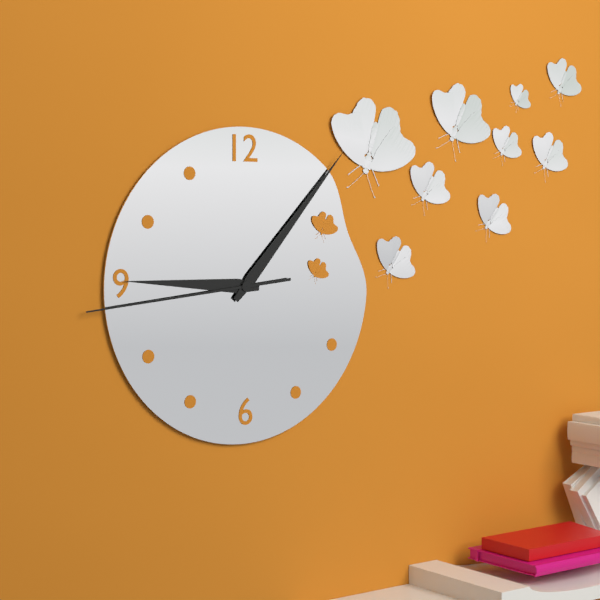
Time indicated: 9:07:44
